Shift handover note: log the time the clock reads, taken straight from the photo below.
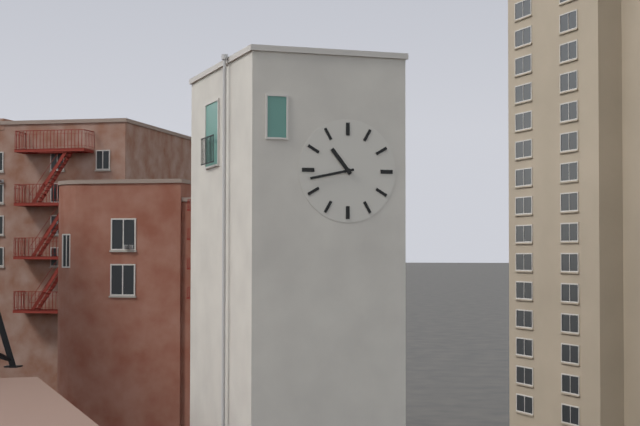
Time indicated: 10:43
